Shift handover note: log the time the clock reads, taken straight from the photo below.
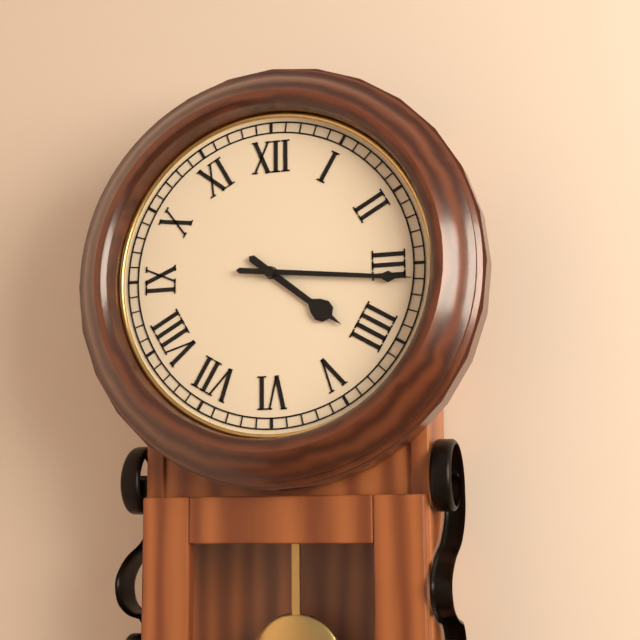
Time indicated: 4:16
